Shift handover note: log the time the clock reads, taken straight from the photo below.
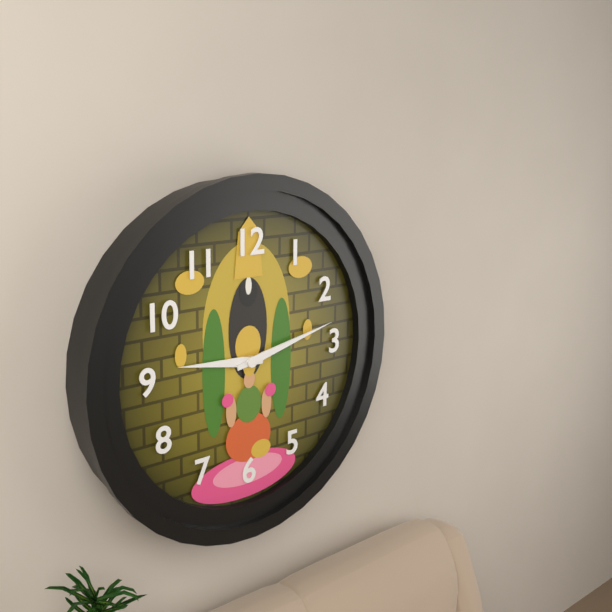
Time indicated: 9:13
